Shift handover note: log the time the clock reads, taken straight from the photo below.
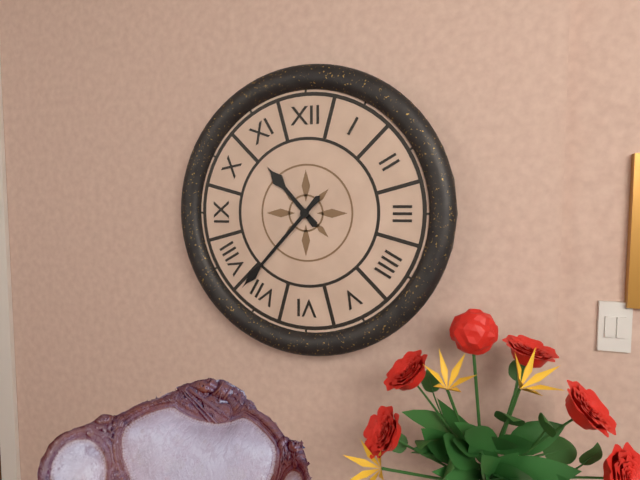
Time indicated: 10:37
